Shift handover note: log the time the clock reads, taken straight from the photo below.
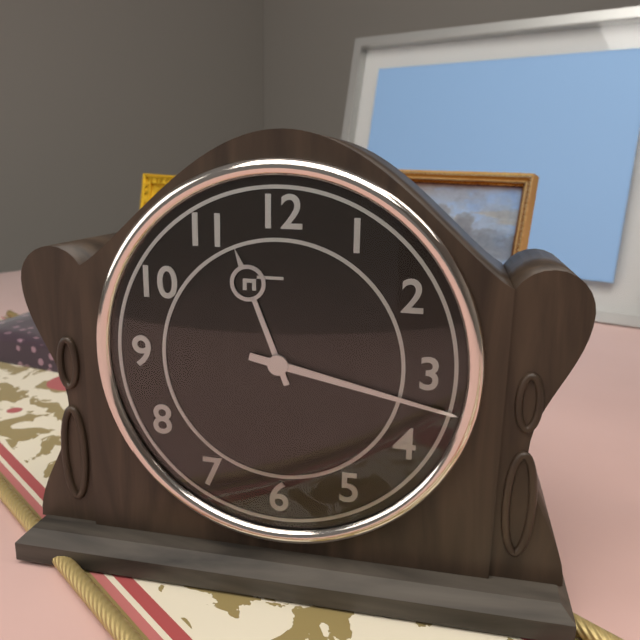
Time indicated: 11:17
